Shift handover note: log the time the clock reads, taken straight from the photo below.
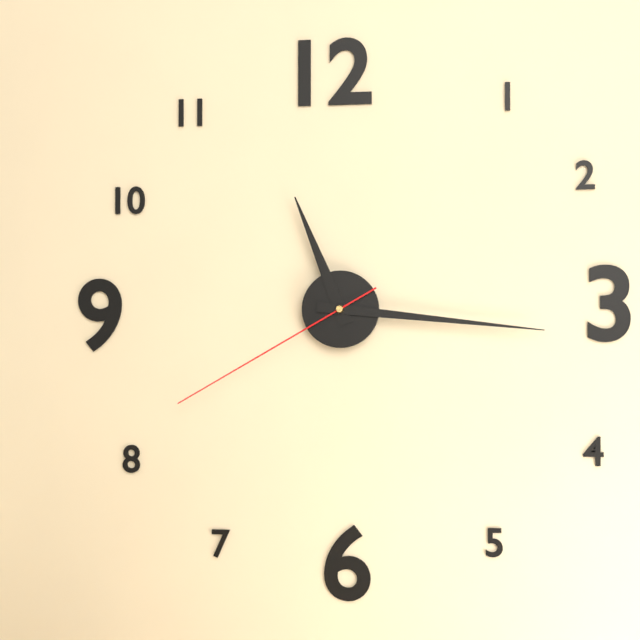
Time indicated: 11:16:40
